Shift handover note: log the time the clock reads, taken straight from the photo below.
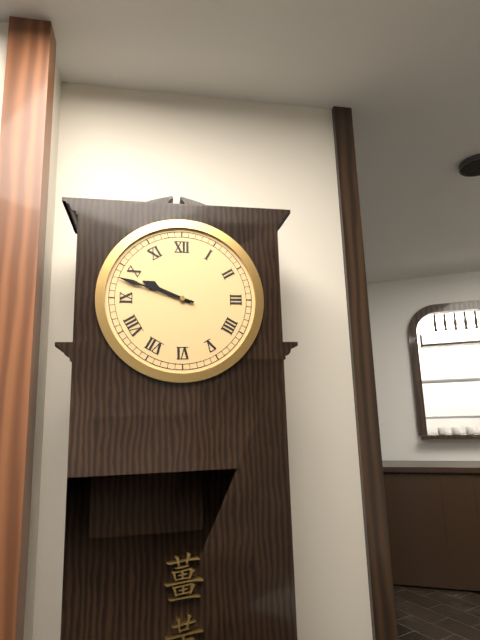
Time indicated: 9:48
